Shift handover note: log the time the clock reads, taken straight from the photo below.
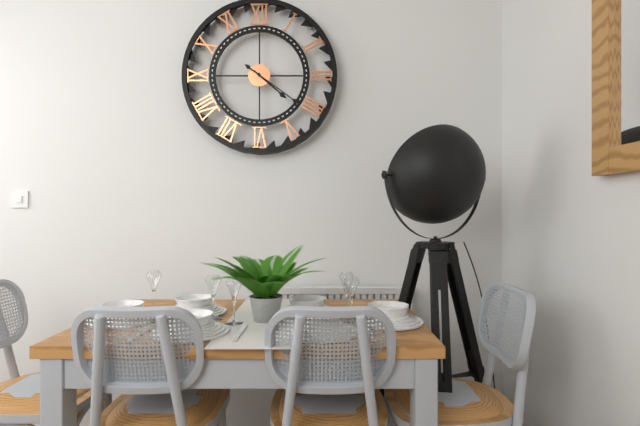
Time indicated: 4:21
